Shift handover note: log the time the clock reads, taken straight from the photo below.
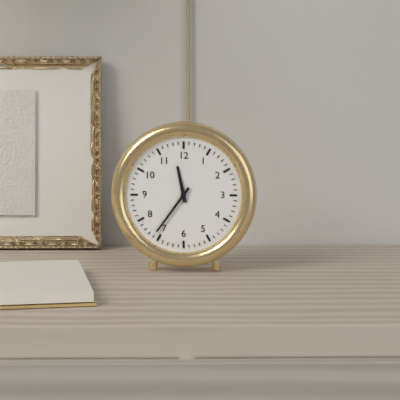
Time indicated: 11:36
